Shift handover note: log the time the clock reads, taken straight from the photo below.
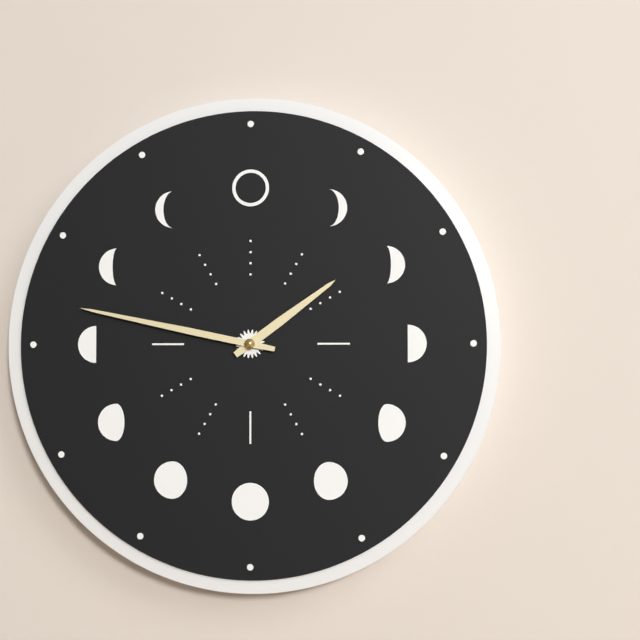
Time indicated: 1:47
